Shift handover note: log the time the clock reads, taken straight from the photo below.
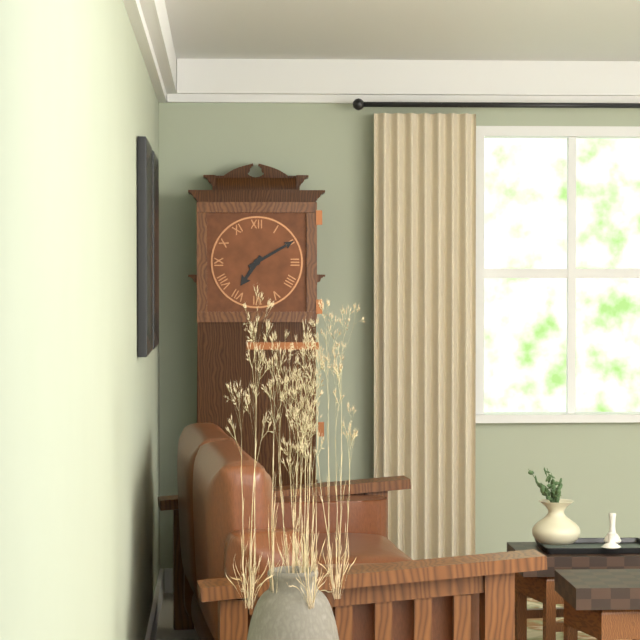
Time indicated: 7:10
